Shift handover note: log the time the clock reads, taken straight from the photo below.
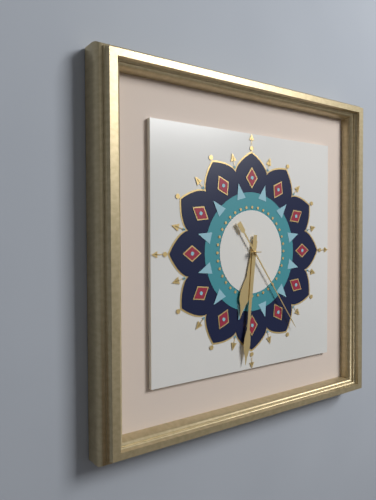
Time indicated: 6:31:24
